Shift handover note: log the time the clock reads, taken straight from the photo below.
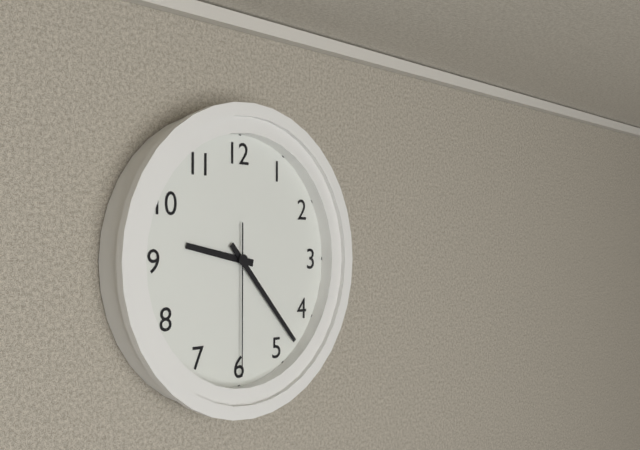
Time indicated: 9:23:30
